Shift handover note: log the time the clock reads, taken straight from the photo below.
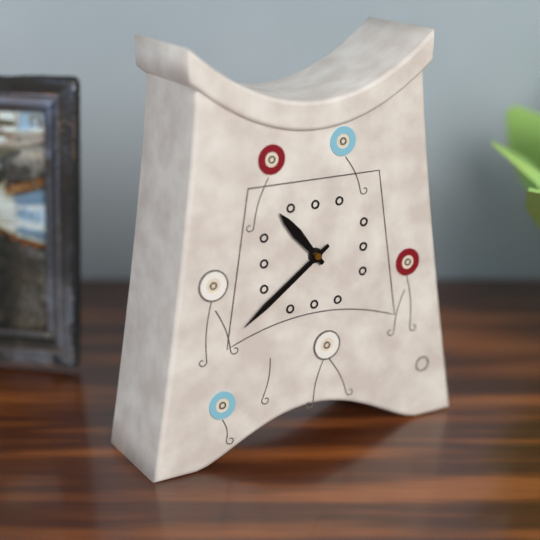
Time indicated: 10:39
